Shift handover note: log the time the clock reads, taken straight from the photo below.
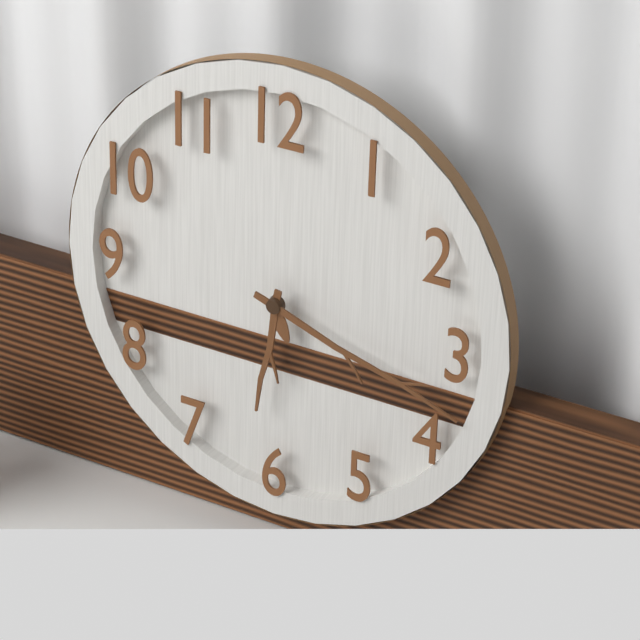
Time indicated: 6:18
